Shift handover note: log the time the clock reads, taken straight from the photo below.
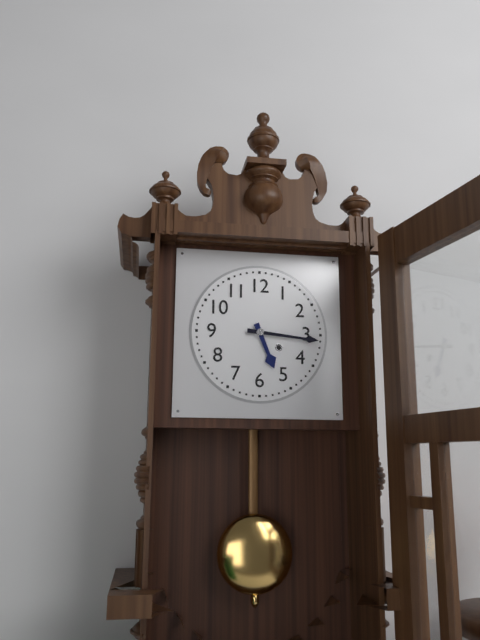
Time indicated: 5:16
